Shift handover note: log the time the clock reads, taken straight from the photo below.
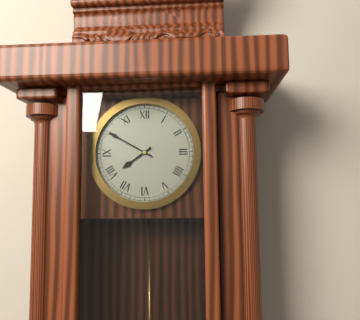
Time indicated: 7:50
